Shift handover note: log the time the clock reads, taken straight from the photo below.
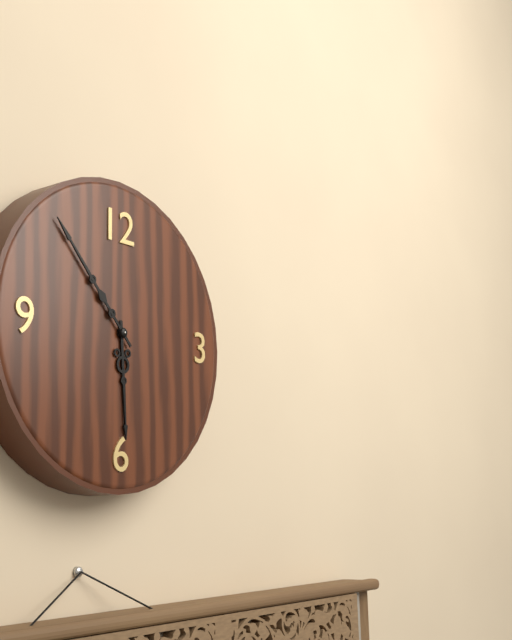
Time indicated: 5:53
